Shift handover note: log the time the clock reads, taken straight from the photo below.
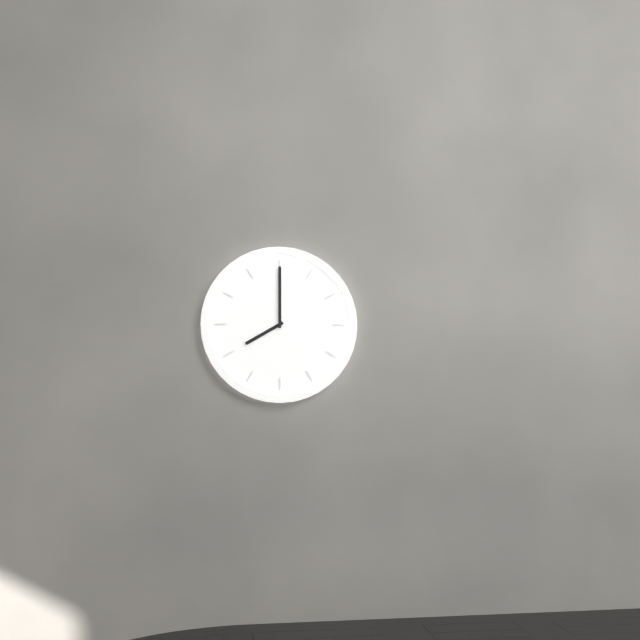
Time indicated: 8:00
